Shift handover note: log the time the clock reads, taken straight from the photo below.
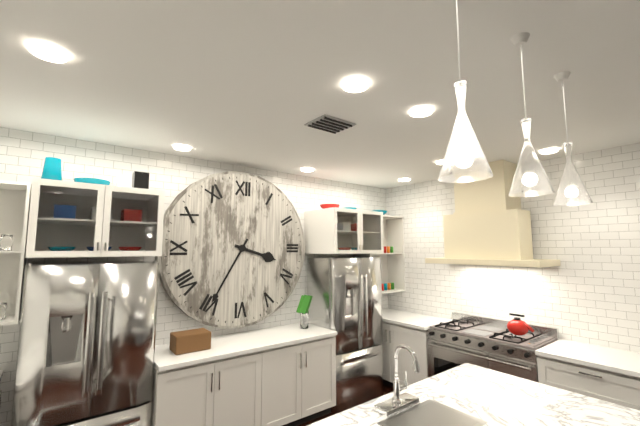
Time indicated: 3:35
